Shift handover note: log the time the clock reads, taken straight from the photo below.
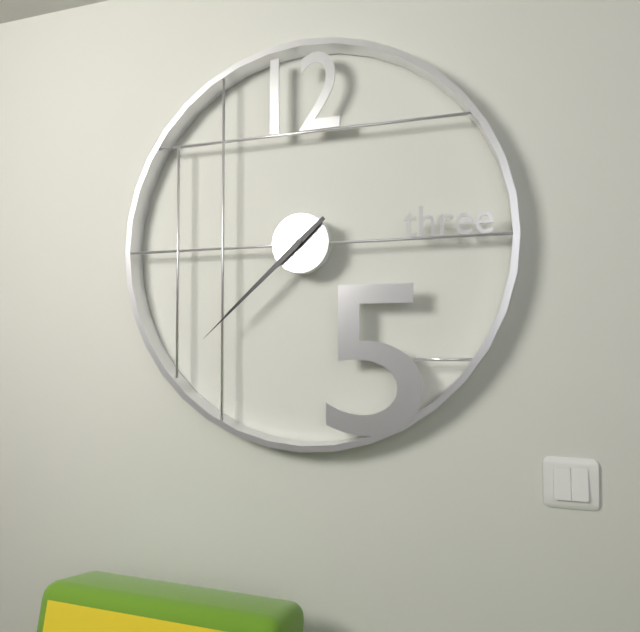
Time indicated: 7:38
